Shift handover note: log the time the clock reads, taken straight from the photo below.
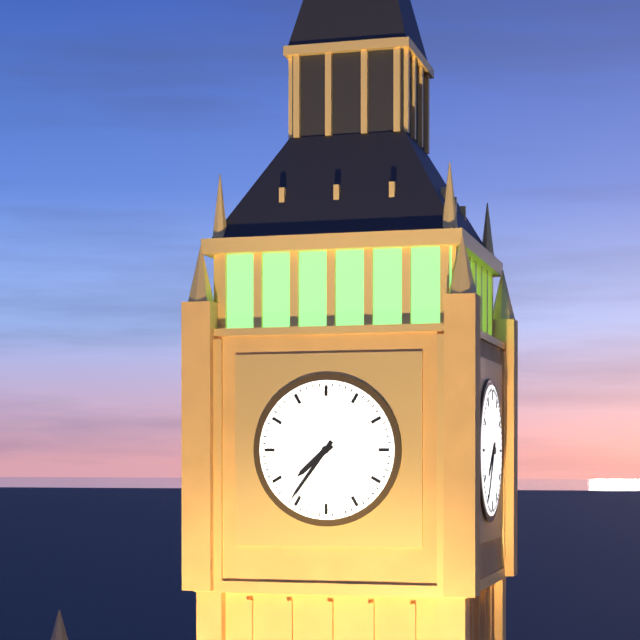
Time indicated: 7:36
